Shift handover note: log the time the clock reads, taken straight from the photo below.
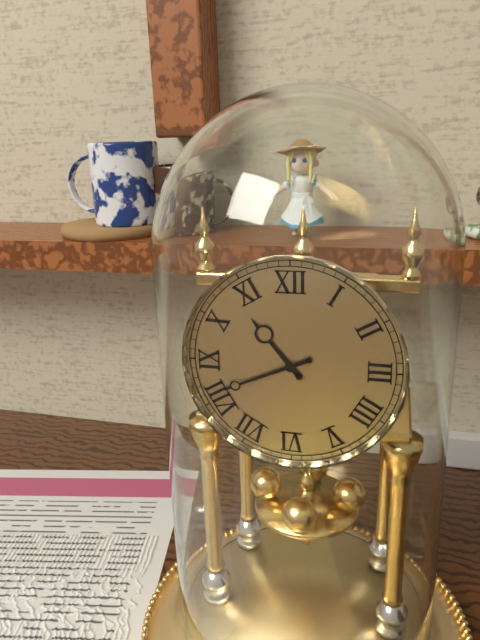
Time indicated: 10:41
